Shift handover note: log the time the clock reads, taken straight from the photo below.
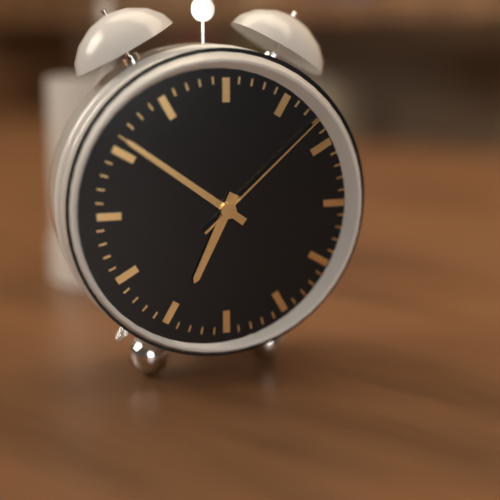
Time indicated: 6:51:08
